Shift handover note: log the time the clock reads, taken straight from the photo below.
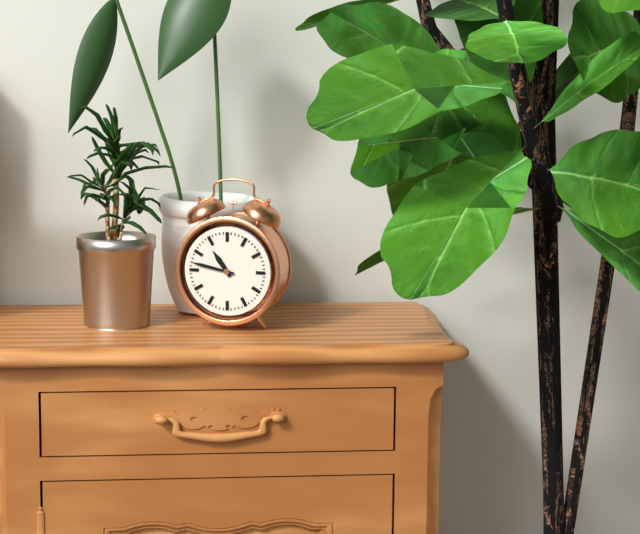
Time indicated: 10:47
